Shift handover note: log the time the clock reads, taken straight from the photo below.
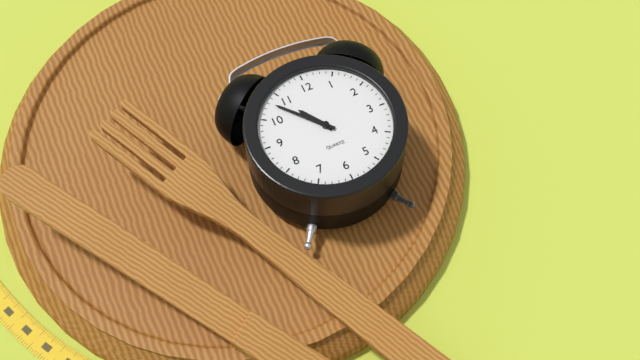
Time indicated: 10:53
